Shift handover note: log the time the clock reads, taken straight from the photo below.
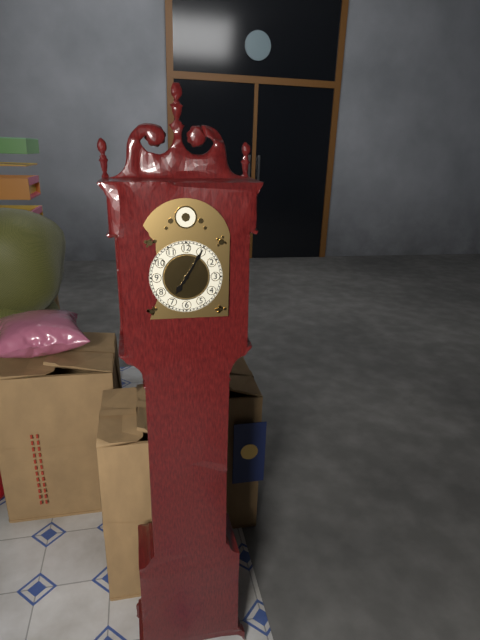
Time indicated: 7:05
